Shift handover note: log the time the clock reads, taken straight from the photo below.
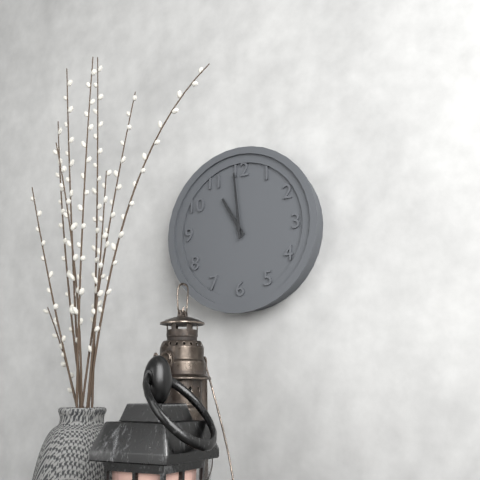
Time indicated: 10:59
